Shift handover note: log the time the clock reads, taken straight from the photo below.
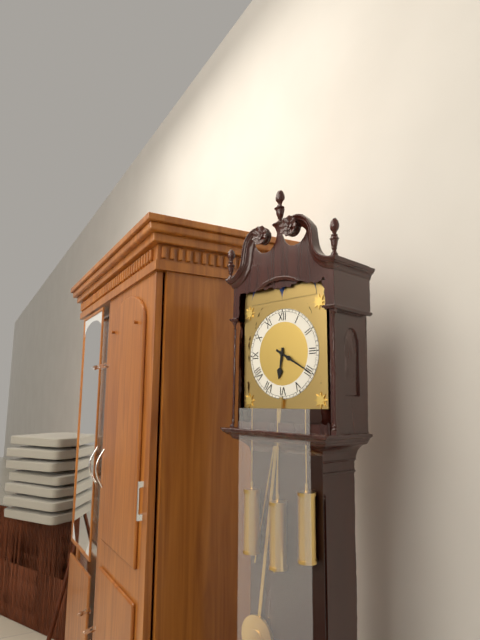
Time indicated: 6:20
